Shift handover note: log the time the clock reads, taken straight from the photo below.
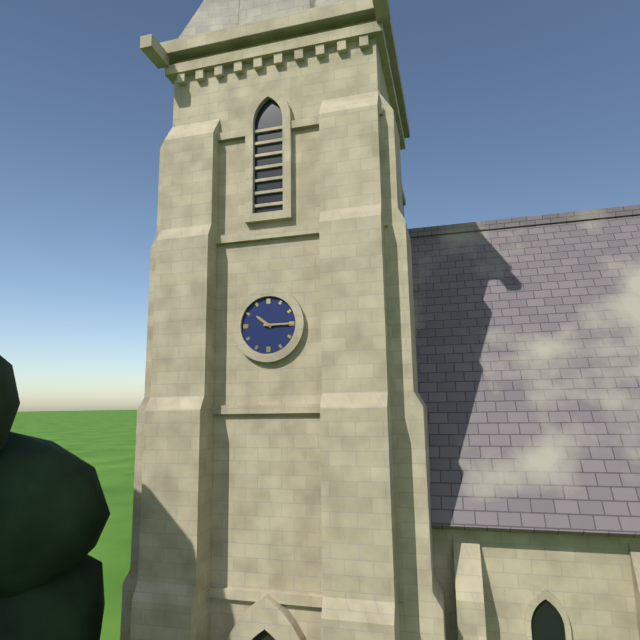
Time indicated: 10:15
